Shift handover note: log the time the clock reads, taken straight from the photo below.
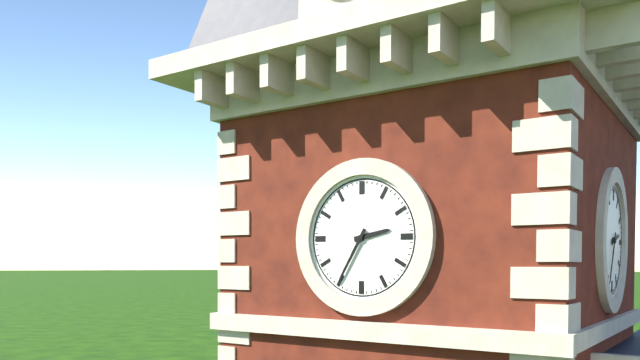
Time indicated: 2:35
